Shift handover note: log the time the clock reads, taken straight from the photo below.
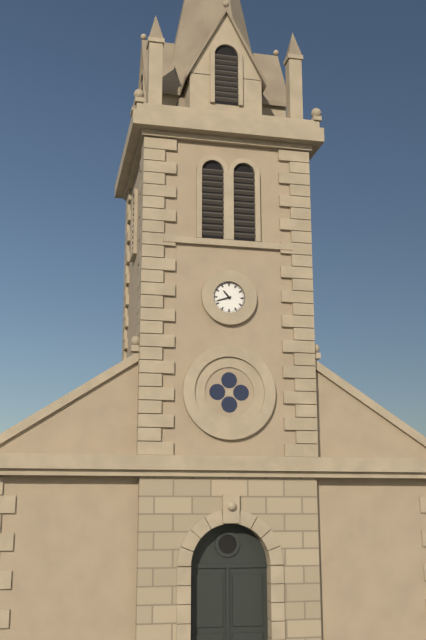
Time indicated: 10:42
